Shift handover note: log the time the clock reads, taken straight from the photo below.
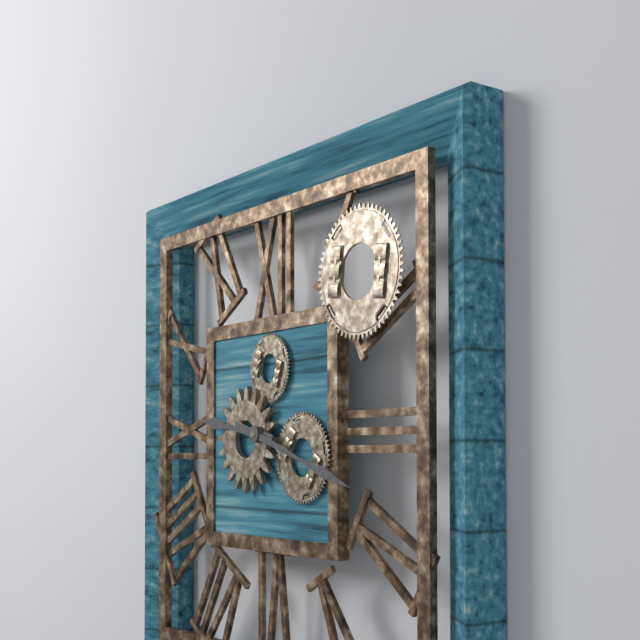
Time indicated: 9:18
